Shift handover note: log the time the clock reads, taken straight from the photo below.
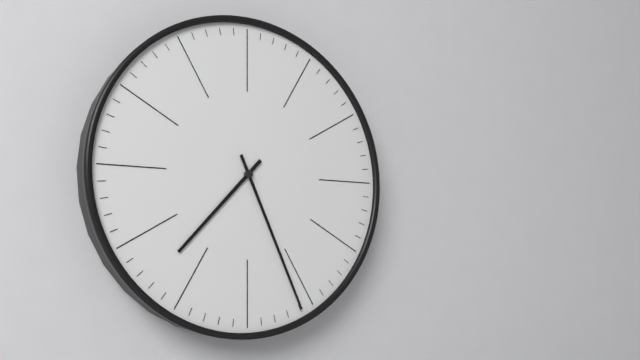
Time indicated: 7:26
